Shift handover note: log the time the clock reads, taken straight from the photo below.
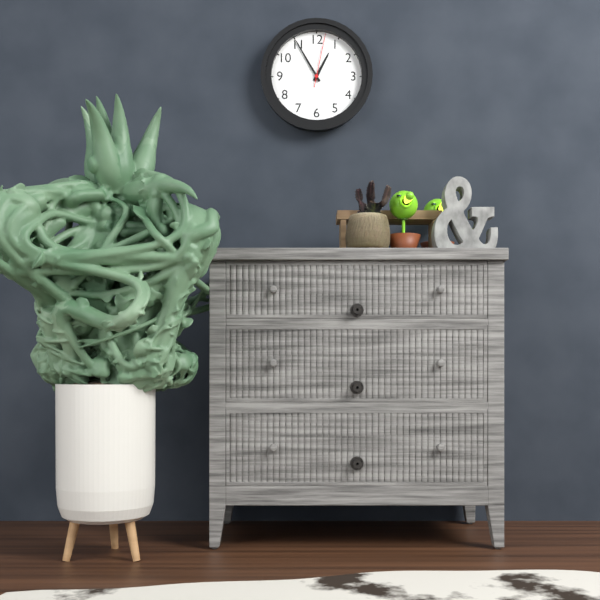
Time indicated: 12:55:02
